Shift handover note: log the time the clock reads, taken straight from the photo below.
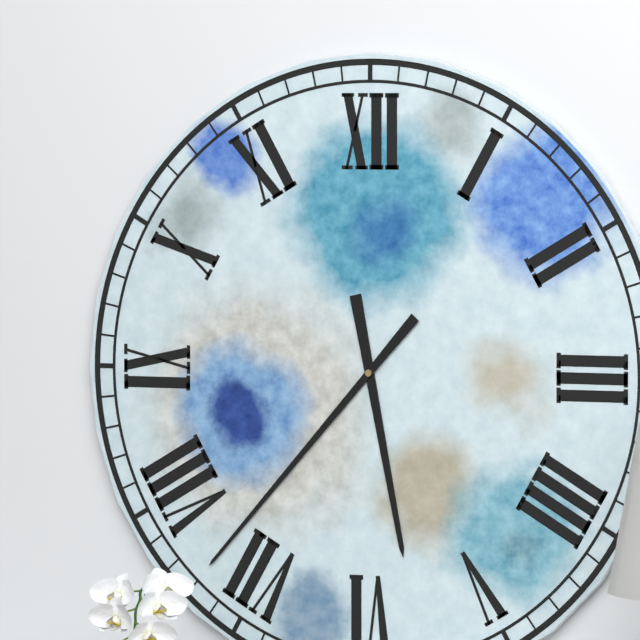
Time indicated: 5:37
